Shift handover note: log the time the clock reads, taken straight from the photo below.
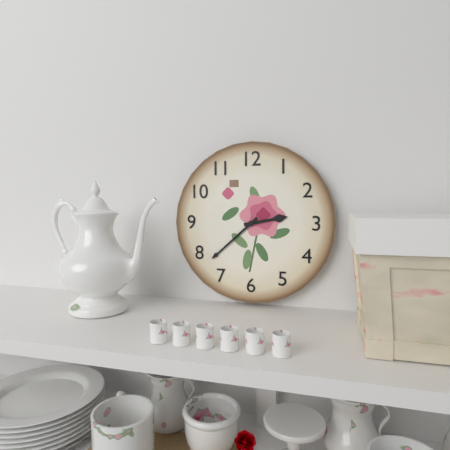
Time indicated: 2:38
